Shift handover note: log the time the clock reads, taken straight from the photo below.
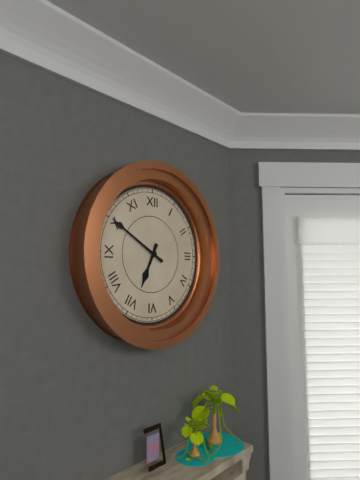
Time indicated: 6:50
